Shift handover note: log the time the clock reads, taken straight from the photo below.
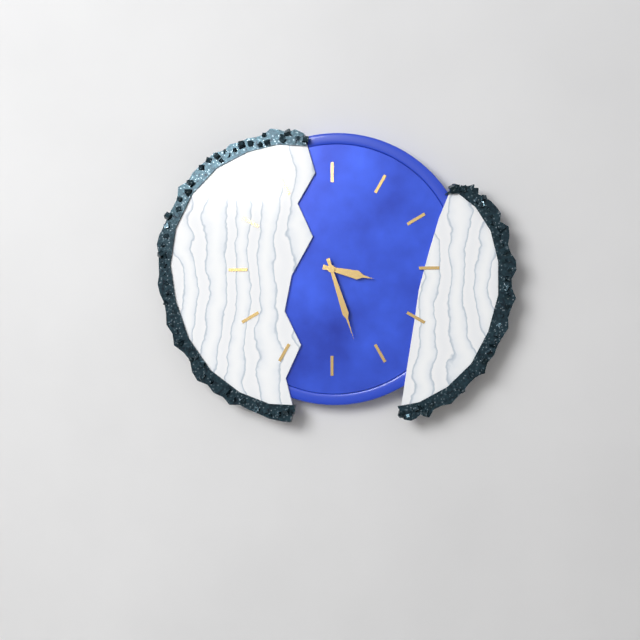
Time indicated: 3:27
